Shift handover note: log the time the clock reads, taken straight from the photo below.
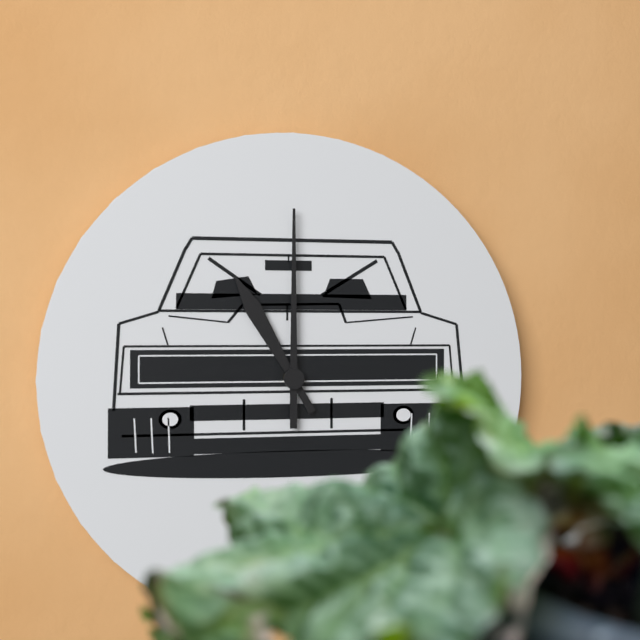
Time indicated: 11:00
